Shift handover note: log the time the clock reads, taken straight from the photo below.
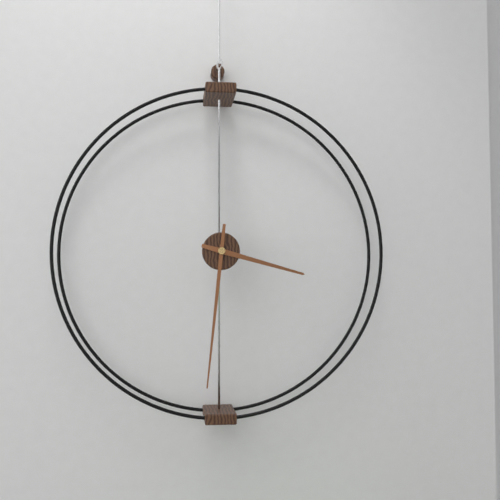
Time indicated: 3:31
